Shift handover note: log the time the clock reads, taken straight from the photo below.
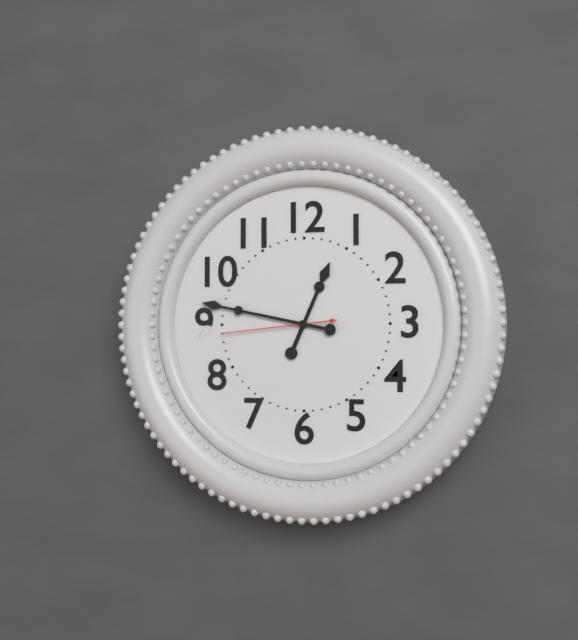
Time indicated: 12:47:44
